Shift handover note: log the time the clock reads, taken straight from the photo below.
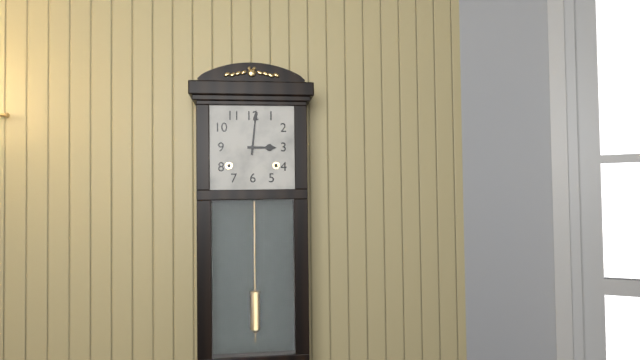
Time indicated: 3:01
